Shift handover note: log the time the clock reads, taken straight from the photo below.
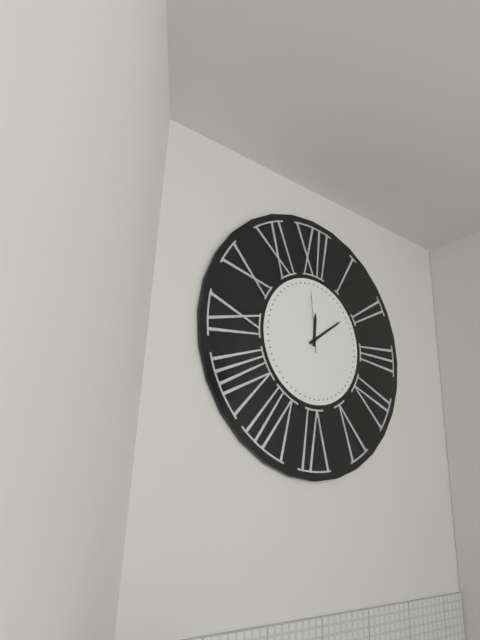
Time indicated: 12:09:59
